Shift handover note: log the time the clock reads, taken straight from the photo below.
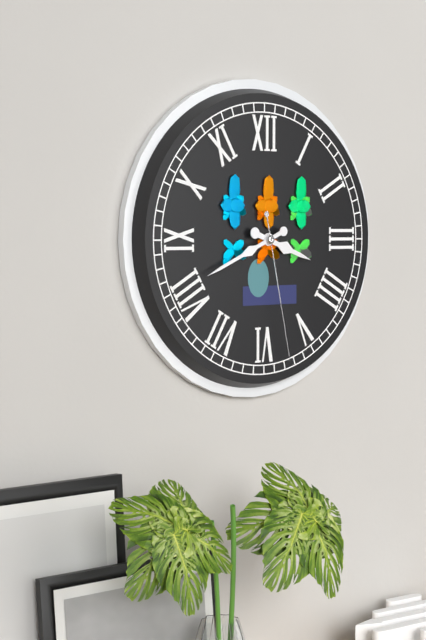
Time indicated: 3:41:28
